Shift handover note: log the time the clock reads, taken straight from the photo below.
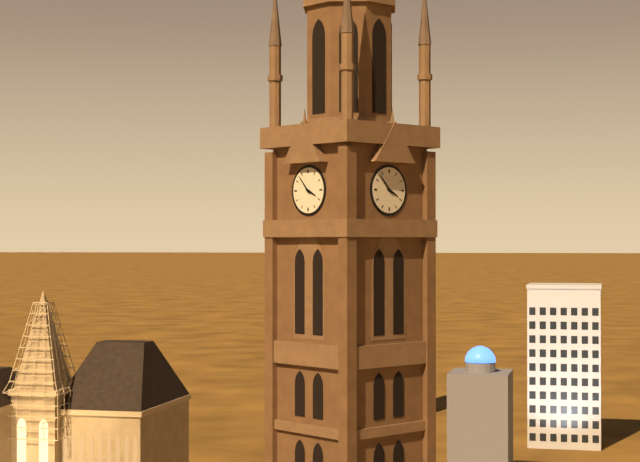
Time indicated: 3:53
